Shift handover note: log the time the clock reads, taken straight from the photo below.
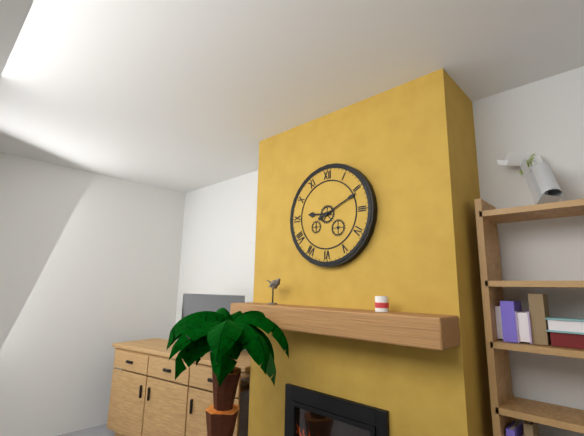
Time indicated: 9:11
